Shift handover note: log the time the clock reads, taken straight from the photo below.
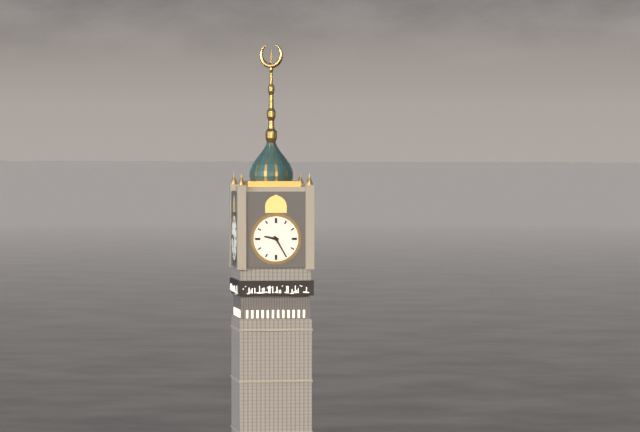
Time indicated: 9:25
